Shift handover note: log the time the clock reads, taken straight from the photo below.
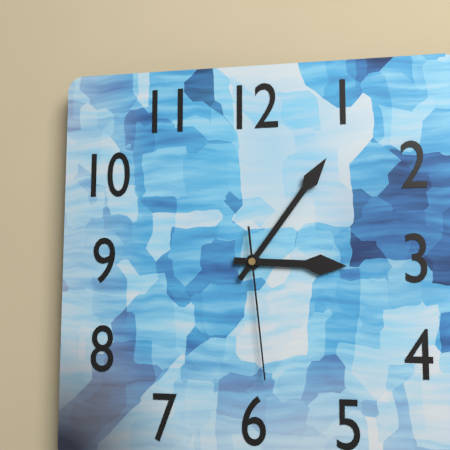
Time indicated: 3:06:29
